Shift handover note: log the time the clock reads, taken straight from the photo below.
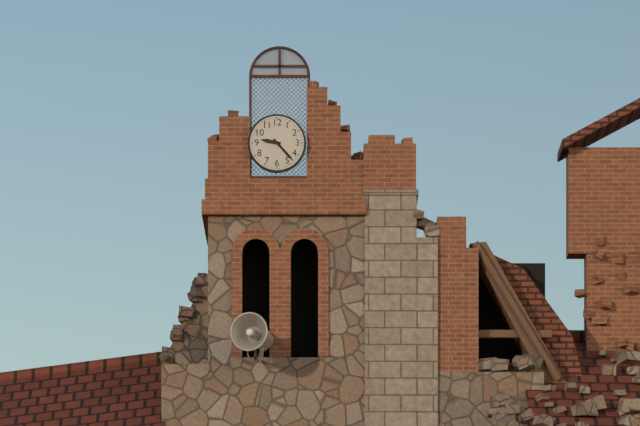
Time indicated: 9:23
